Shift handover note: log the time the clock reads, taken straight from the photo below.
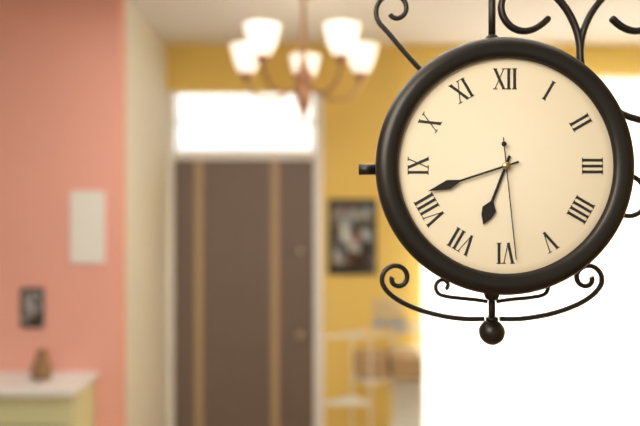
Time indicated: 6:42:29
